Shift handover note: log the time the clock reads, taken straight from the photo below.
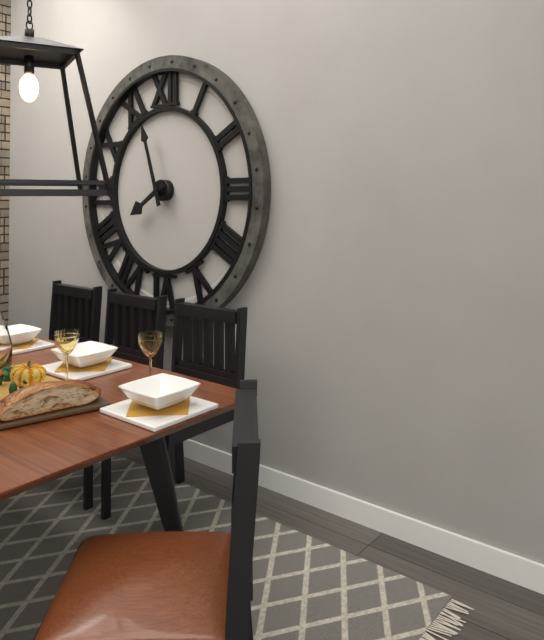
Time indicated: 7:57
